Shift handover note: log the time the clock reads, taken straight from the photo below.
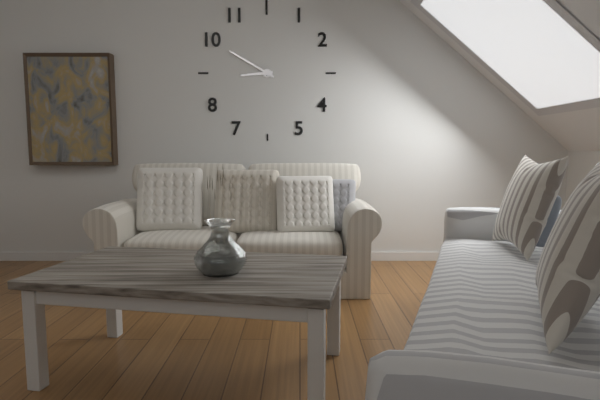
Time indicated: 8:50
